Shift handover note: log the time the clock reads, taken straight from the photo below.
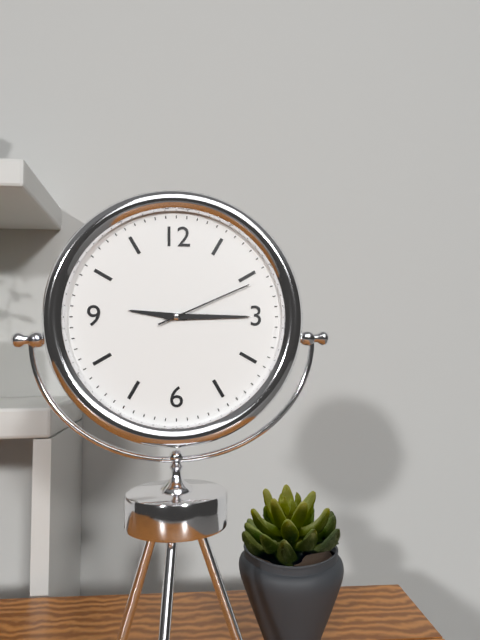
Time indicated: 9:15:11
